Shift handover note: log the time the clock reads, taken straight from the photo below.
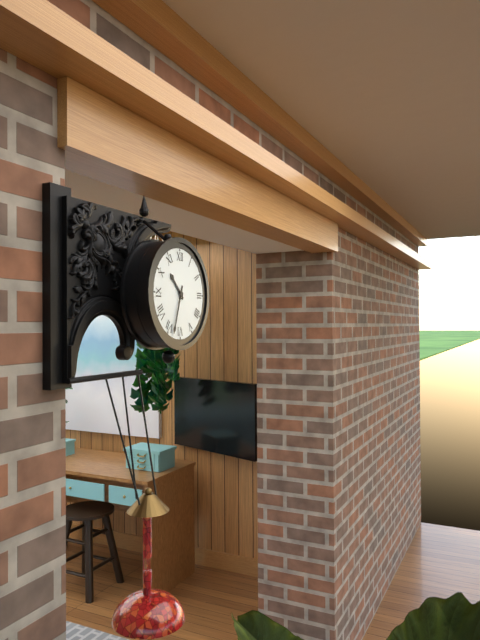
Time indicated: 10:33
